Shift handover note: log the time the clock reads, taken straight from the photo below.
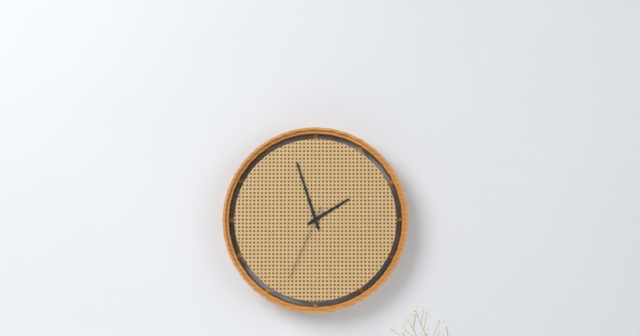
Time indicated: 1:57:34
